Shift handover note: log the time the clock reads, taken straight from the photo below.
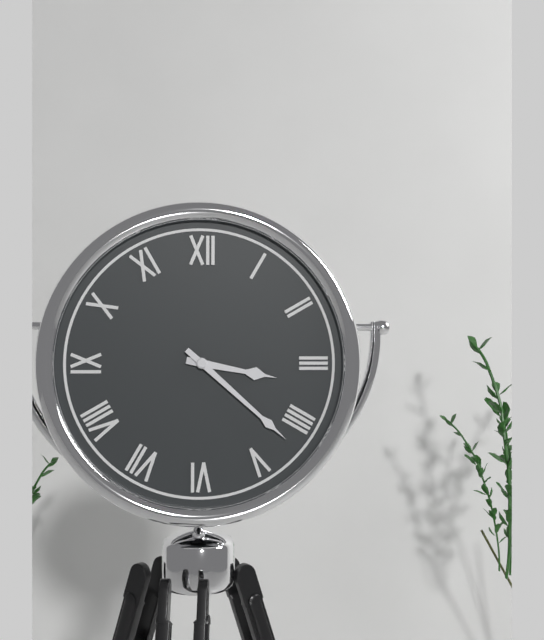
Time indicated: 3:22
